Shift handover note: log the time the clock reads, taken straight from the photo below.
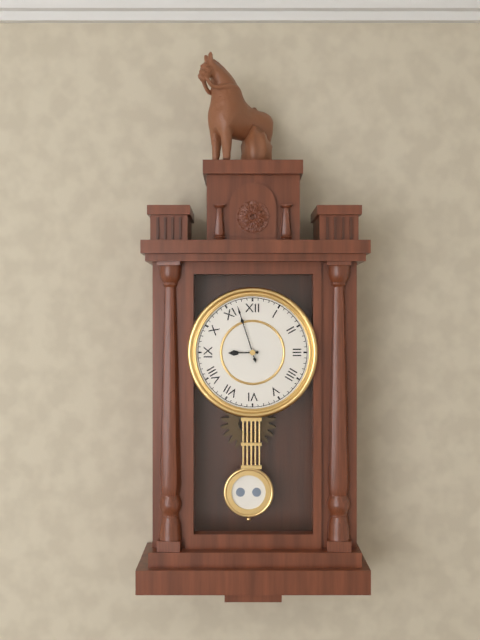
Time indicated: 8:57
